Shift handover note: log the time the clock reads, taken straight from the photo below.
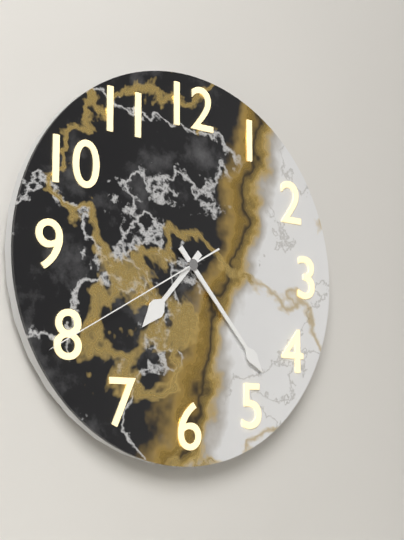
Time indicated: 7:23:40
